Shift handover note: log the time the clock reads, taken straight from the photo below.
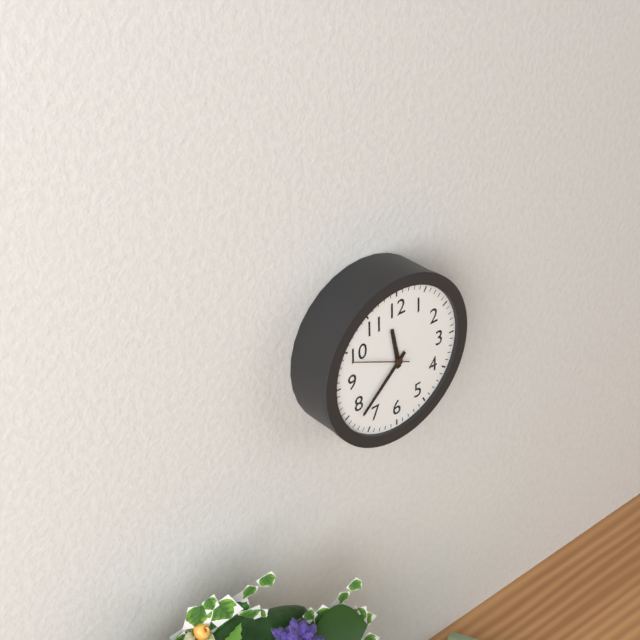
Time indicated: 11:38:49
